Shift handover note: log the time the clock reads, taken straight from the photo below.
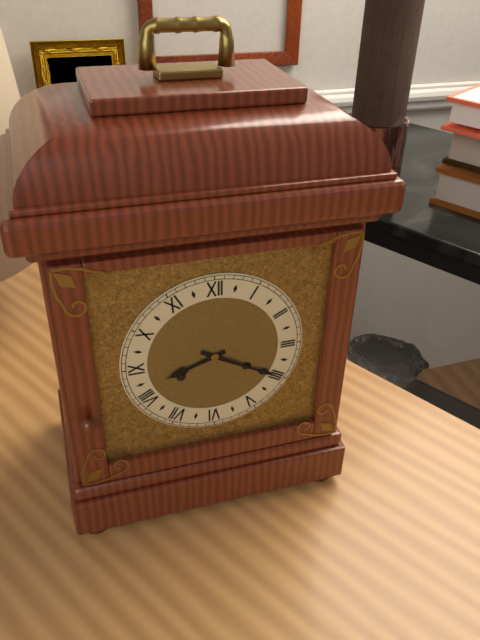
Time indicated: 8:20
